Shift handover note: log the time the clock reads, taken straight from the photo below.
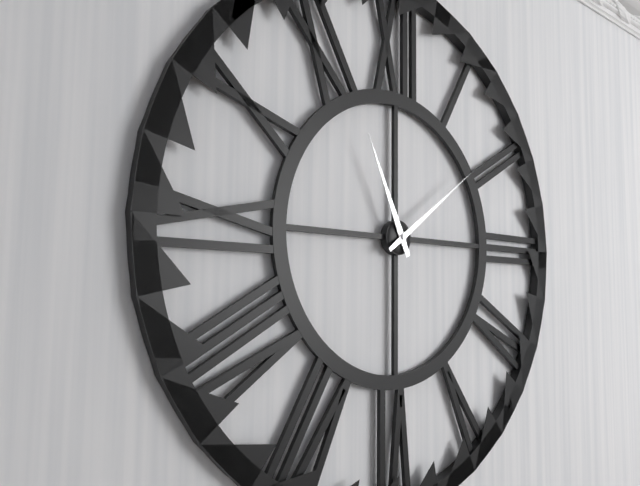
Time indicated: 11:09
